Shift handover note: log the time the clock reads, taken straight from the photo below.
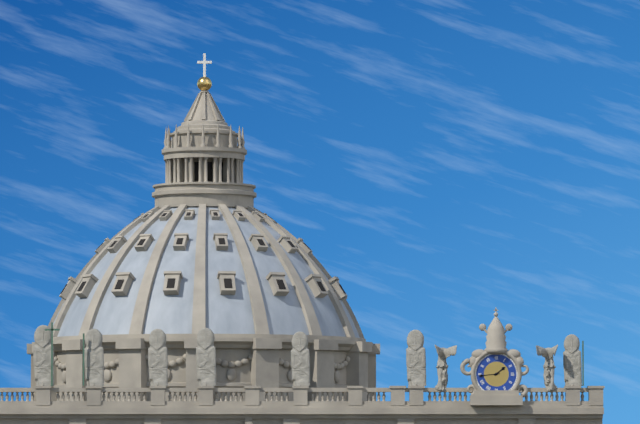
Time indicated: 1:44
